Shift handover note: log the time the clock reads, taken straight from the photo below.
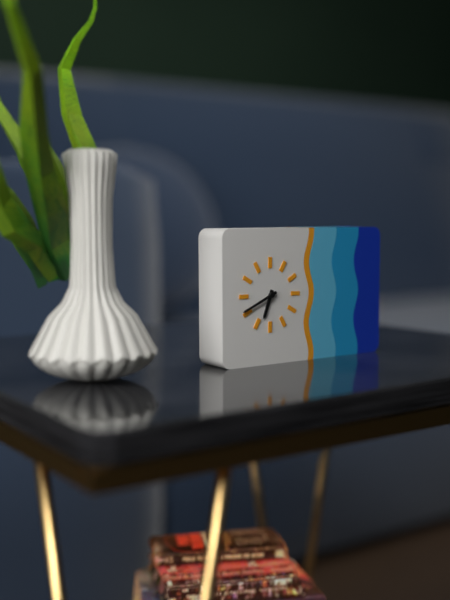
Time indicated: 6:41
